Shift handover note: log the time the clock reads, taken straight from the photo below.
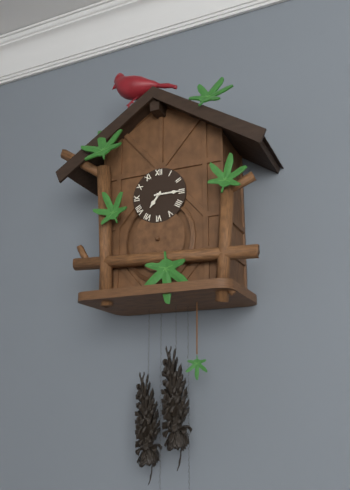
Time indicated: 7:15
